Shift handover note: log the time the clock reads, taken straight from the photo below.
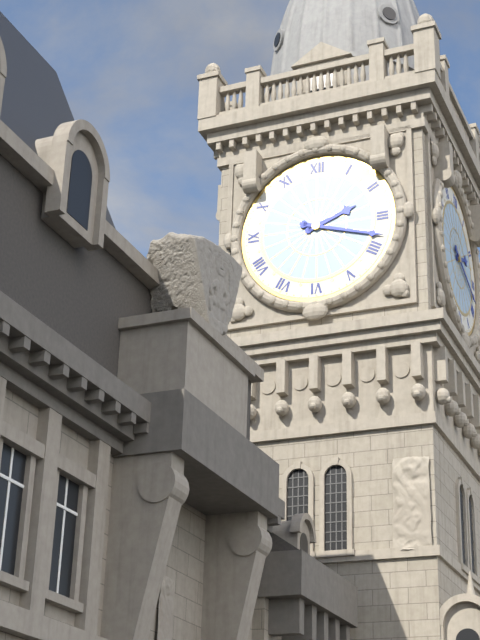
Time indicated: 2:18
